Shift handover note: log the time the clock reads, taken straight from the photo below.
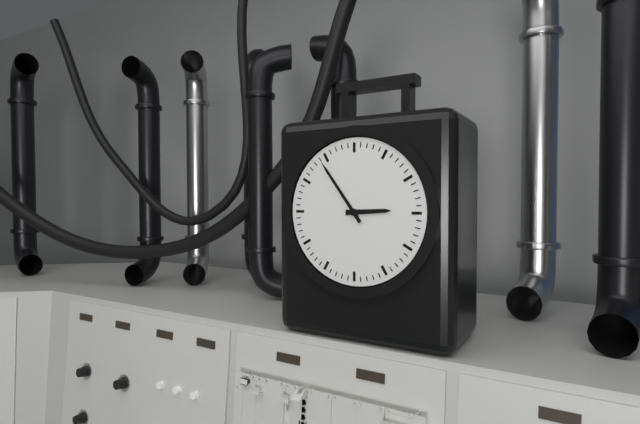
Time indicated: 2:54
